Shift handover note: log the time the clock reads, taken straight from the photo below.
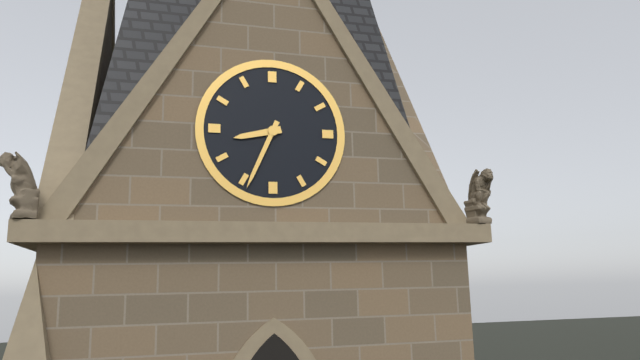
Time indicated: 8:34
